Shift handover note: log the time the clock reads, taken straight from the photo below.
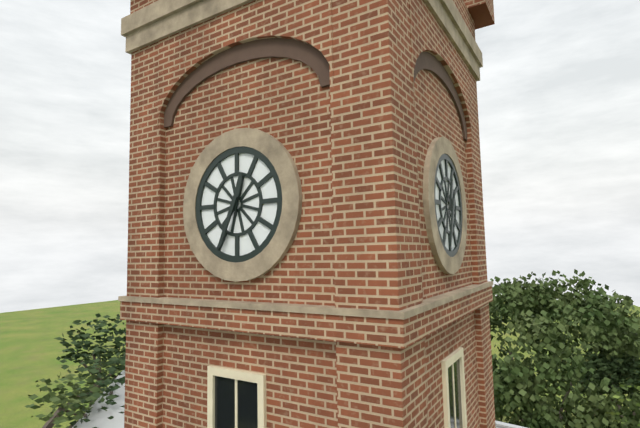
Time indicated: 12:34
